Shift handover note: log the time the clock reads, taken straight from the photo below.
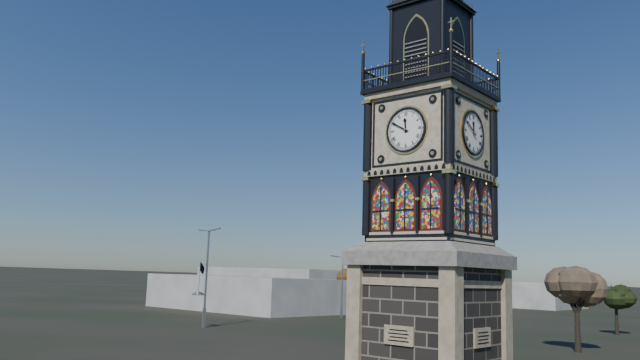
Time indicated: 11:50
